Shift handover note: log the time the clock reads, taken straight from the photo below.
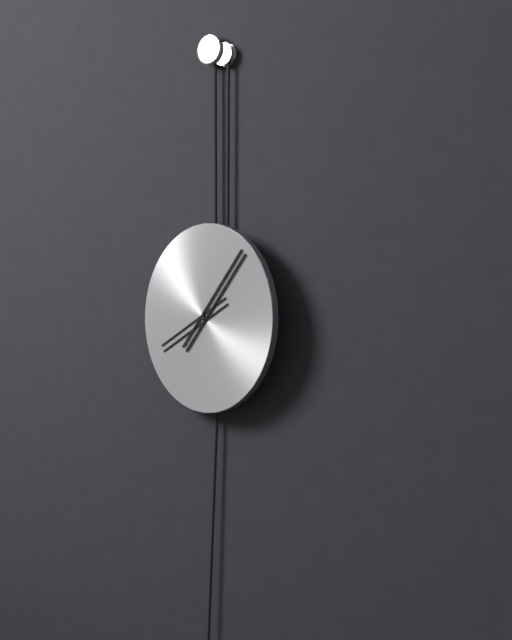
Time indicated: 8:07
